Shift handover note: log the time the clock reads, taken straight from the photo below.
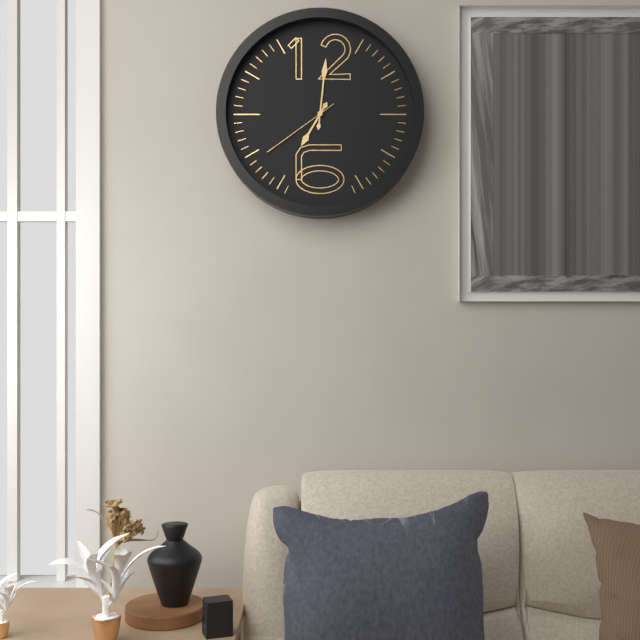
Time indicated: 7:01:39
